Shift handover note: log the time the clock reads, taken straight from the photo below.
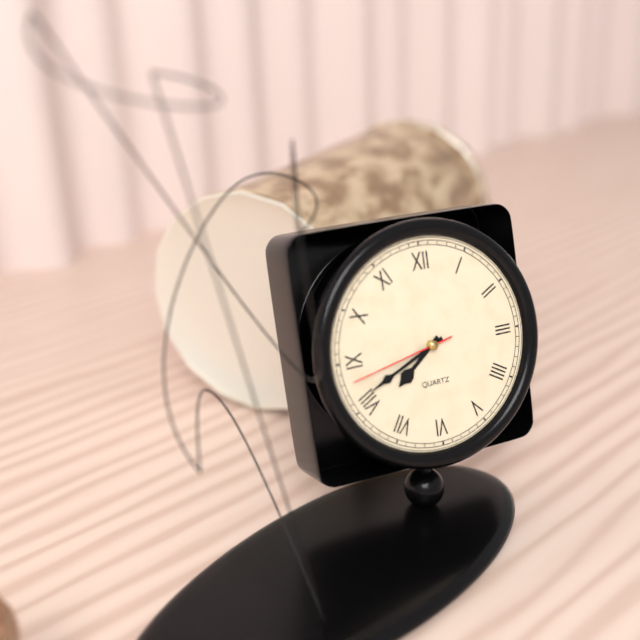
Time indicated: 7:41:43
